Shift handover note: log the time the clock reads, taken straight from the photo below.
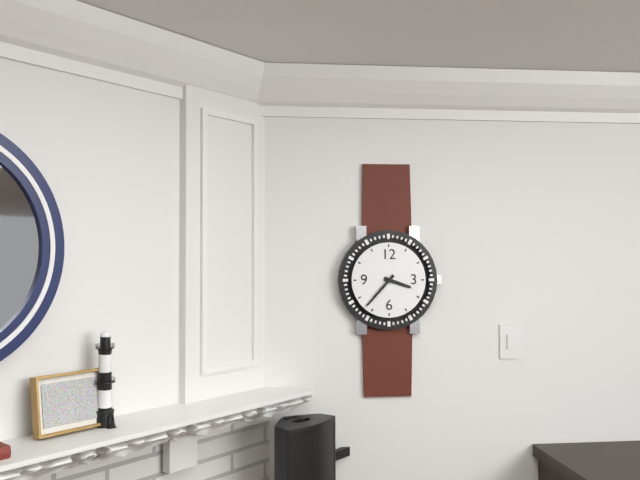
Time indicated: 3:37
